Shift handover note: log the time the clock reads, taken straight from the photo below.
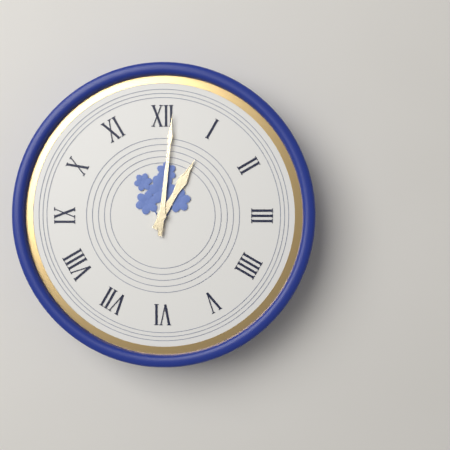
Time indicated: 1:01
